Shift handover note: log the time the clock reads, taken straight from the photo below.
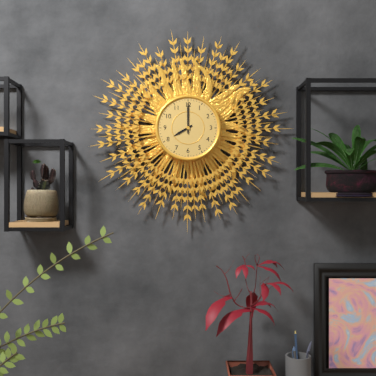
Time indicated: 8:00
